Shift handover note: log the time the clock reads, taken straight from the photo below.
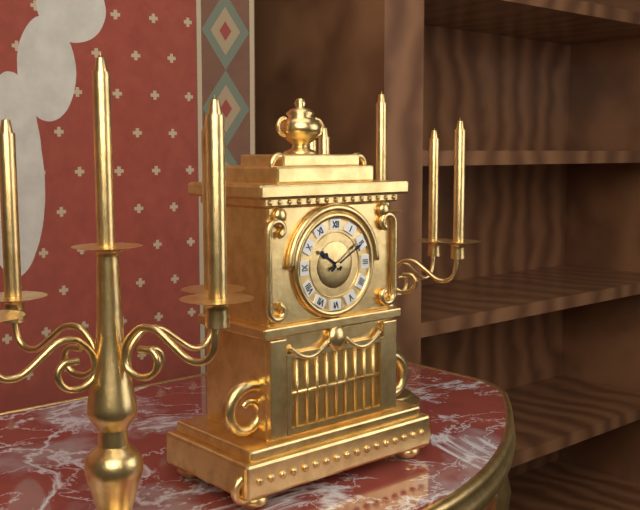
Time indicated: 10:10
